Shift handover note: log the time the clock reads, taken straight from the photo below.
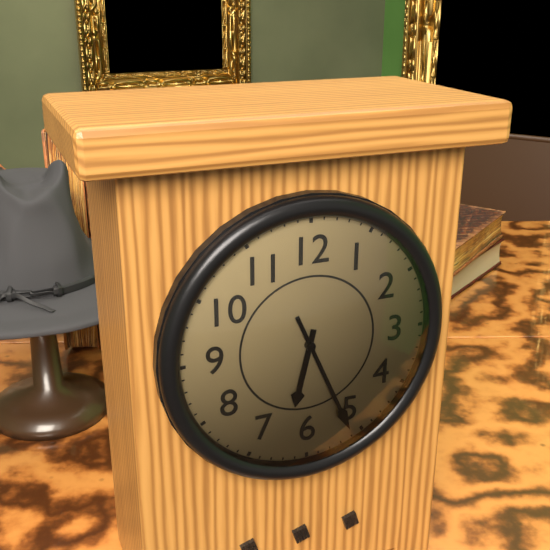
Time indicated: 6:26
